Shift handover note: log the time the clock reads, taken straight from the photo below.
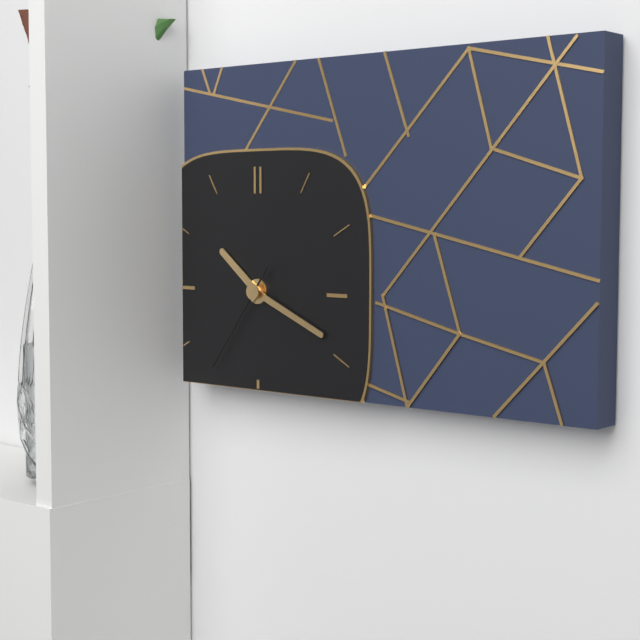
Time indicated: 10:19:36
